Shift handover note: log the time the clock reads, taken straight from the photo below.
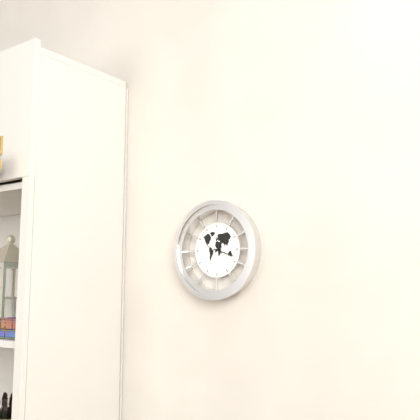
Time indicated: 1:18
